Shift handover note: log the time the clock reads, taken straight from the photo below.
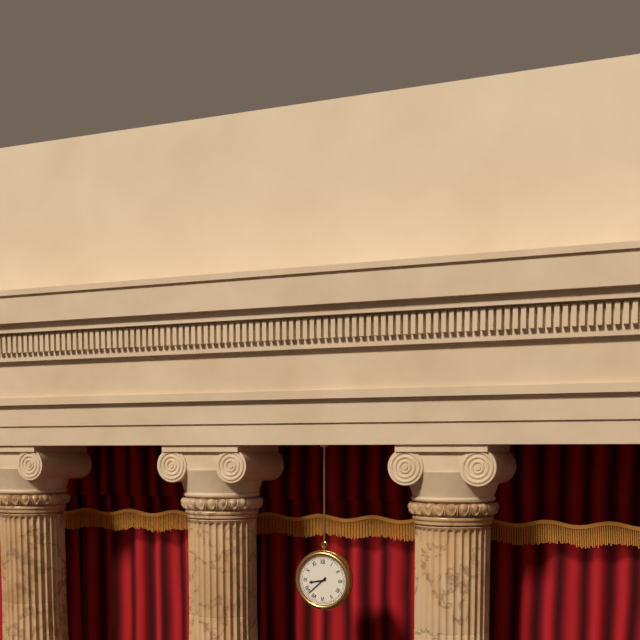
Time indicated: 8:38
